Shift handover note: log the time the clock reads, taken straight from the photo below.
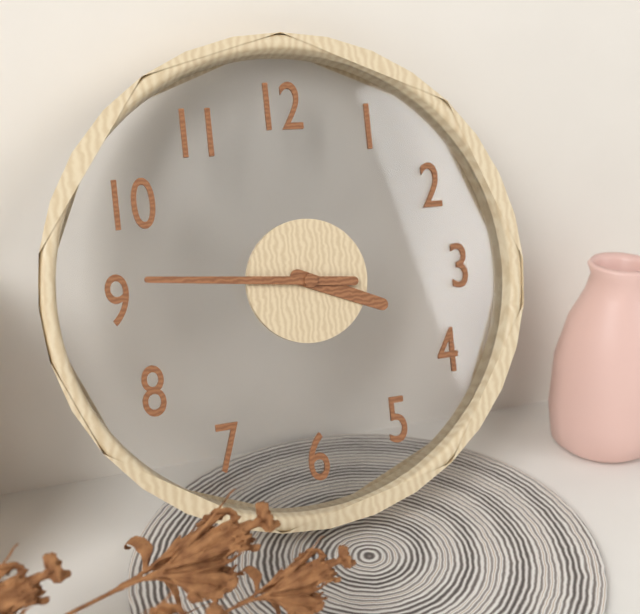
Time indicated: 3:46
